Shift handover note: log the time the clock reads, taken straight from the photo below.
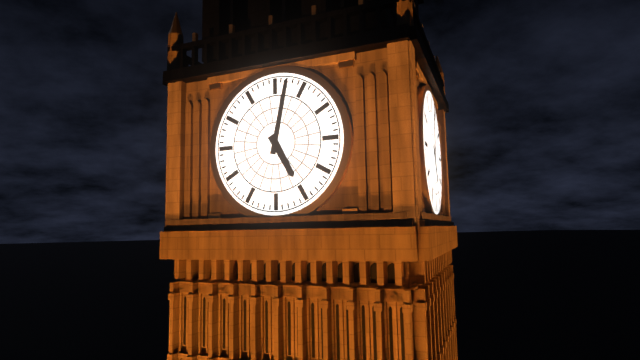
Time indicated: 5:02
